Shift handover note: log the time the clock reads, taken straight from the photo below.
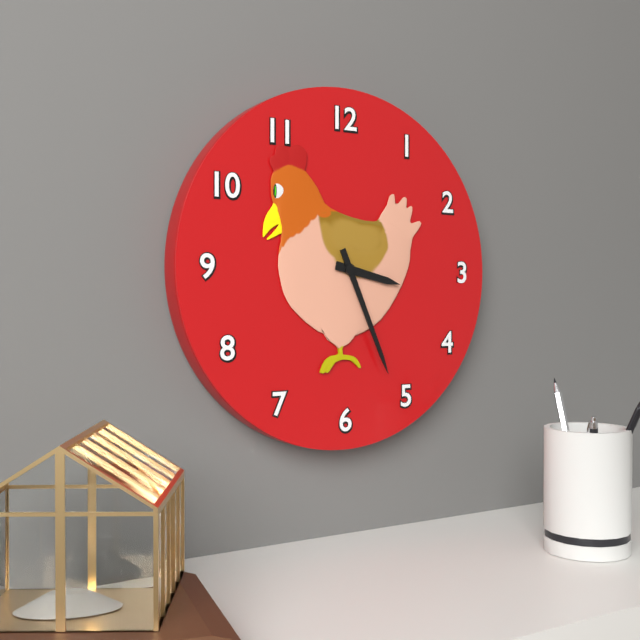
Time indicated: 3:26
